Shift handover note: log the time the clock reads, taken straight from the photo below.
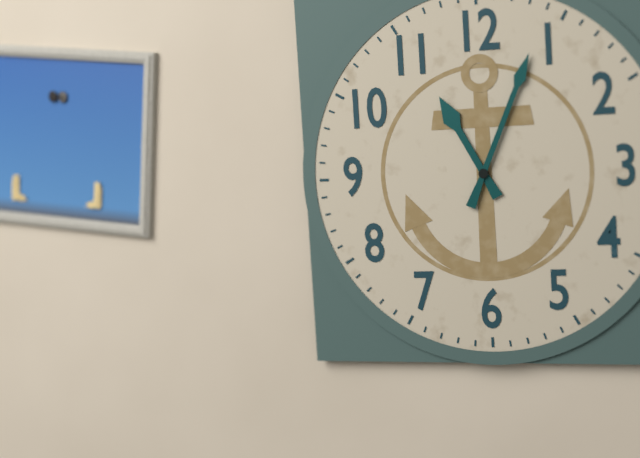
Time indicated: 11:04
